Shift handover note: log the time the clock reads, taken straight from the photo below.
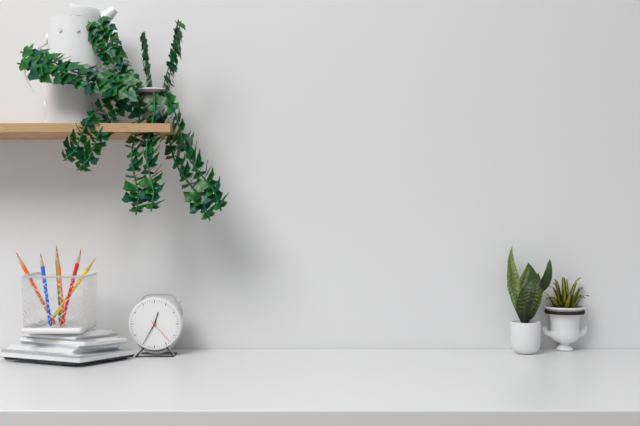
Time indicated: 12:35
